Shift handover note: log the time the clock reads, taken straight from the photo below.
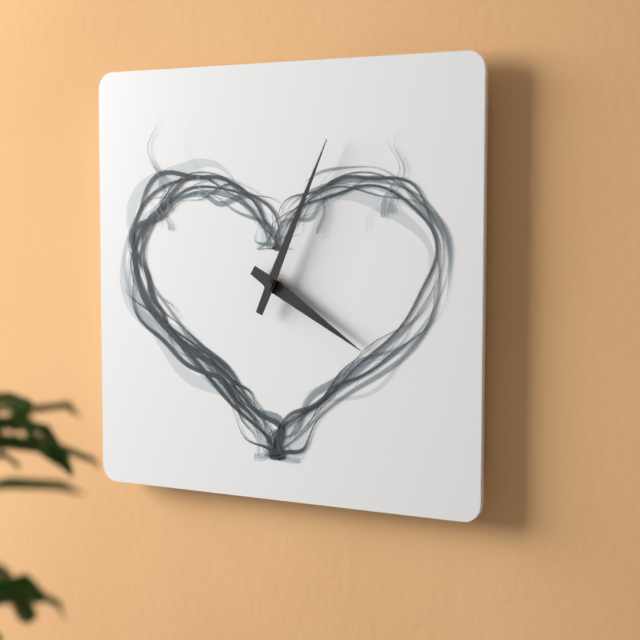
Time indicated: 4:04
